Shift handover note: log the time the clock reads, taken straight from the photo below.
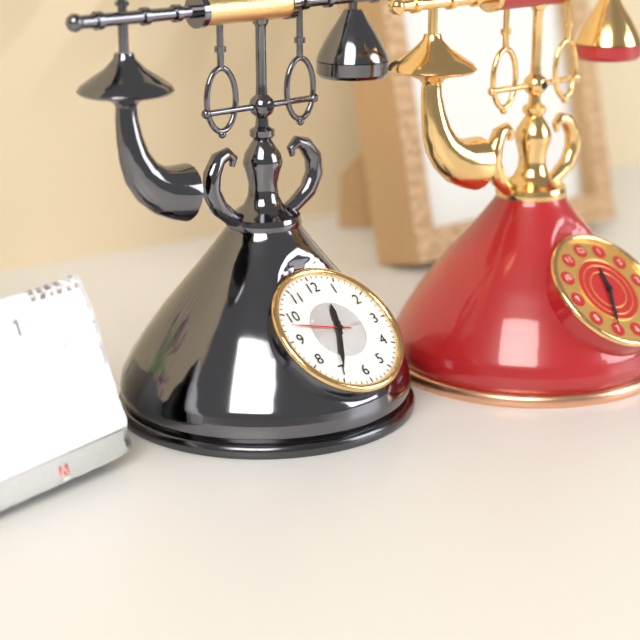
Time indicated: 12:35:48
